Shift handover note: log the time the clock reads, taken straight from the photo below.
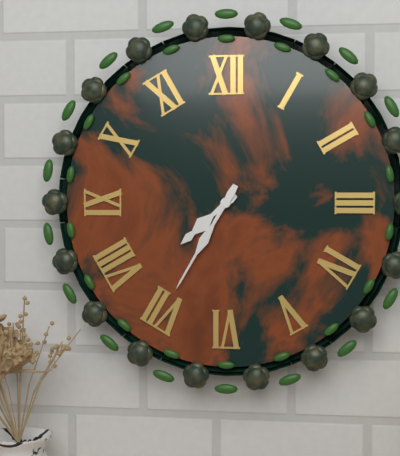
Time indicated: 7:35
